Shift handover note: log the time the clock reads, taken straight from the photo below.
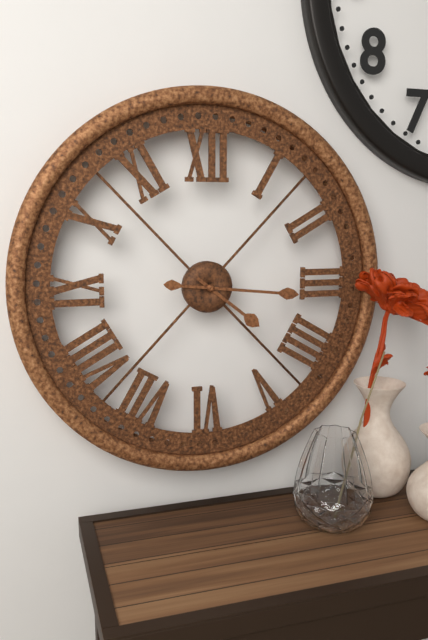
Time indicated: 4:16
